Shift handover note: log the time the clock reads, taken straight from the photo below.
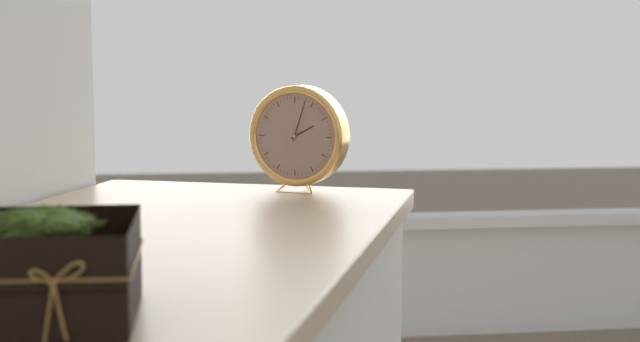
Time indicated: 2:03
